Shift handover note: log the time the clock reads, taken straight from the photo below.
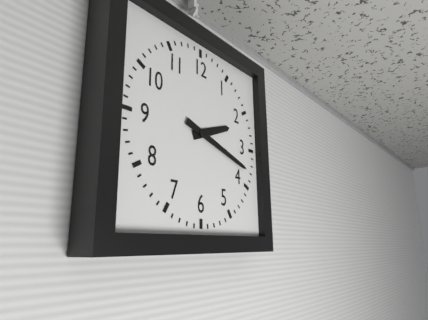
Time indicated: 2:18
